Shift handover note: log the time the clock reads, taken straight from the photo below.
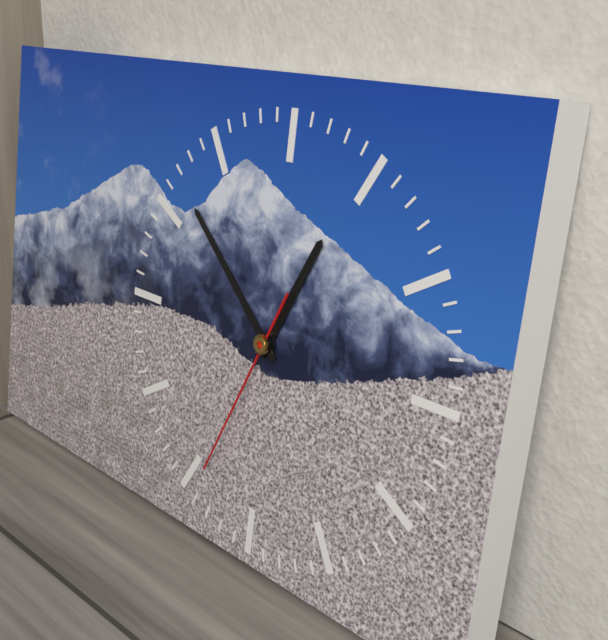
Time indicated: 12:52:34
